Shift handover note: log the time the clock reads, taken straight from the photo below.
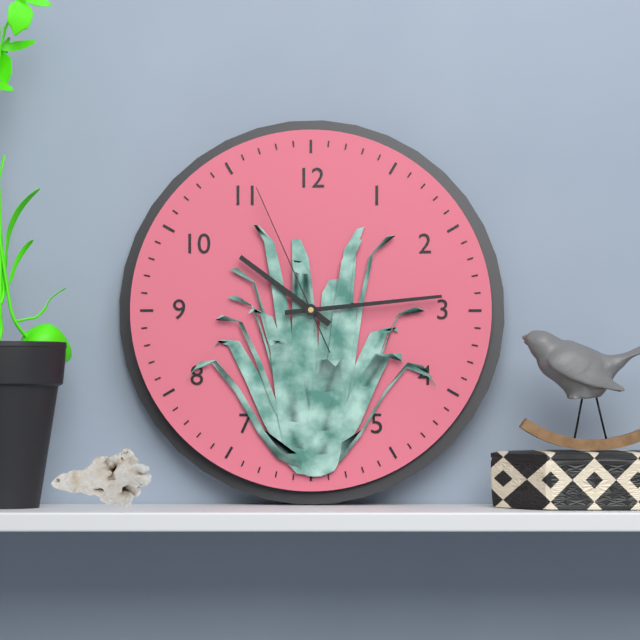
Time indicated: 10:14:56
